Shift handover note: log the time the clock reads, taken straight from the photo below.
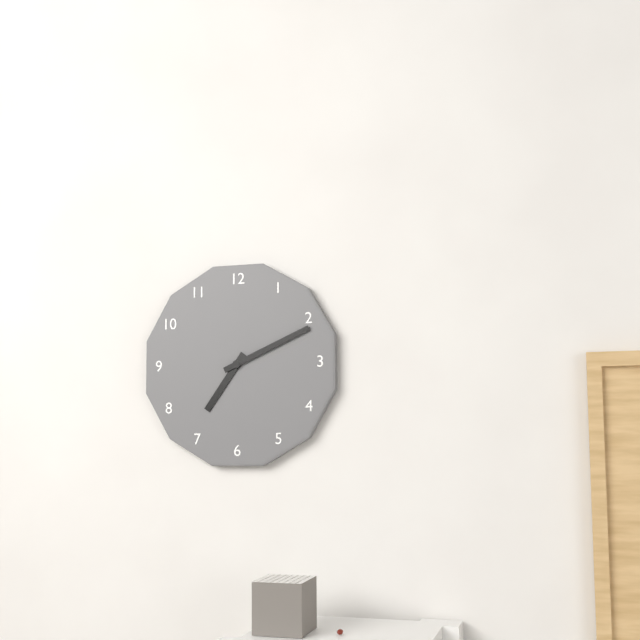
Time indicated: 7:11
